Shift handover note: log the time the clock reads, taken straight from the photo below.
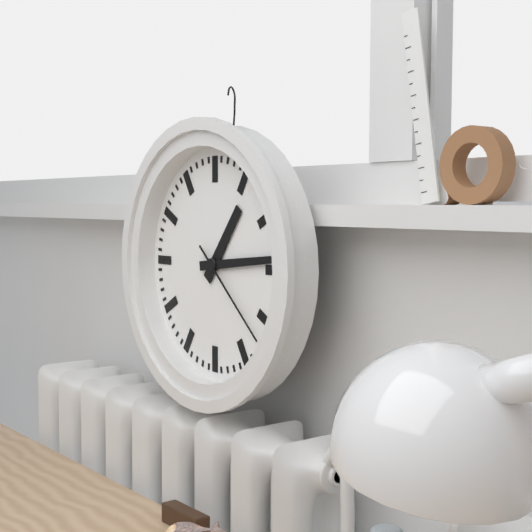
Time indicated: 1:14:22
